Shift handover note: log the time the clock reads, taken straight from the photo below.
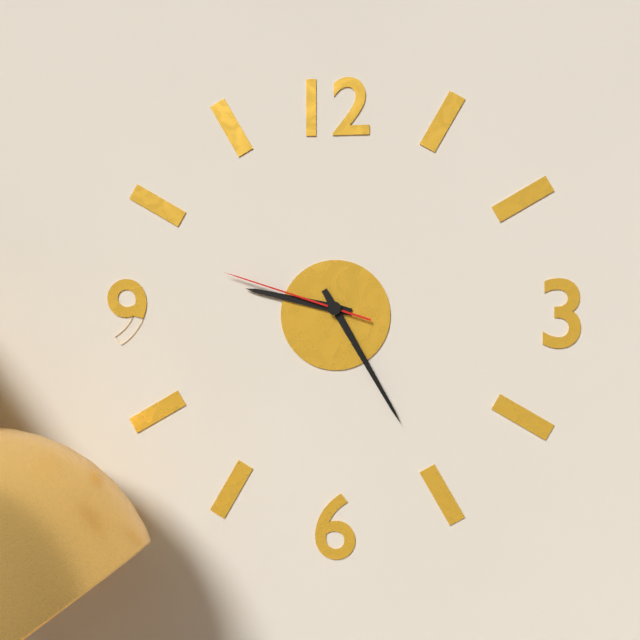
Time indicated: 9:25:48
